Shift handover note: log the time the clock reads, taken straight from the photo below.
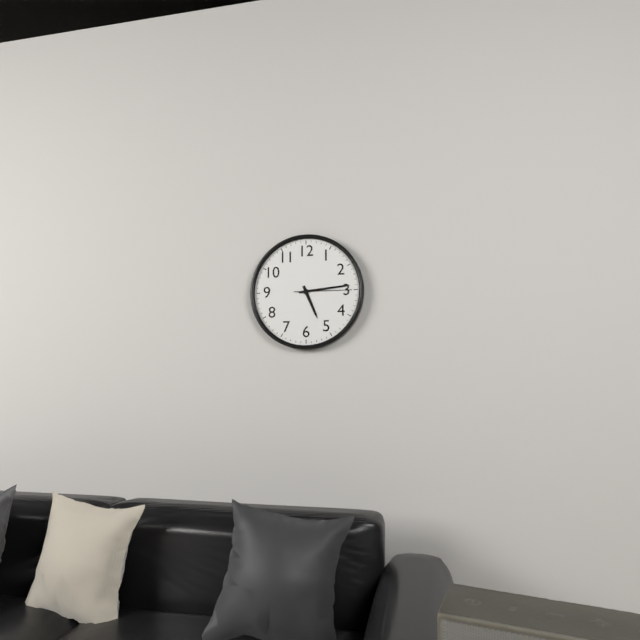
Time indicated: 5:14:15
